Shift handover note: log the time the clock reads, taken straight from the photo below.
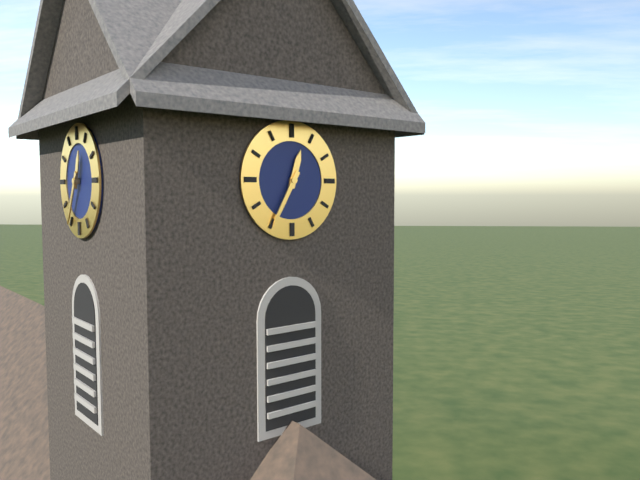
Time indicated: 12:35
